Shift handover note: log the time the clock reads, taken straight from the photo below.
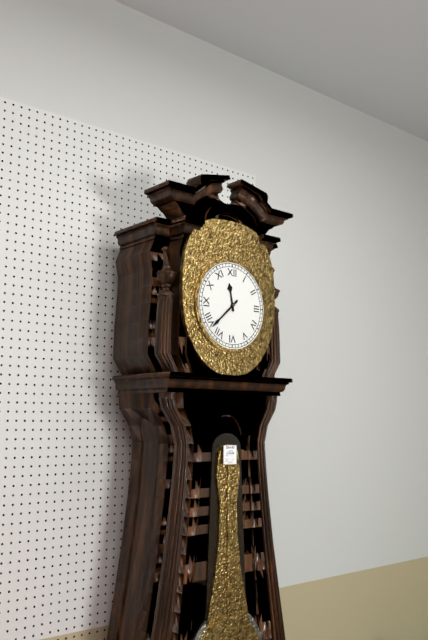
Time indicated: 11:38
